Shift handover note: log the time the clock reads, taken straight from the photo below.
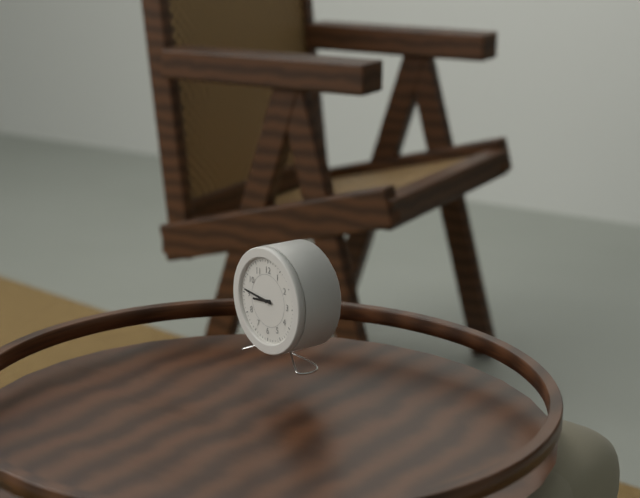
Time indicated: 8:46
